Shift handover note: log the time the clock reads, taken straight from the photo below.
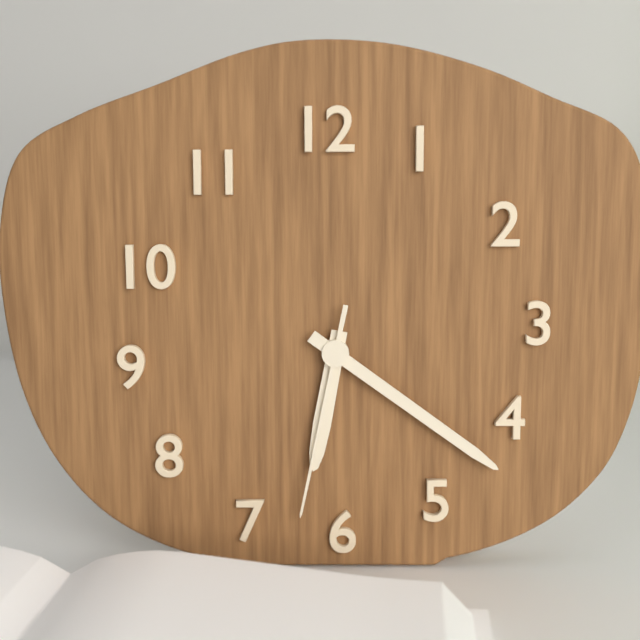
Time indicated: 6:21:32
